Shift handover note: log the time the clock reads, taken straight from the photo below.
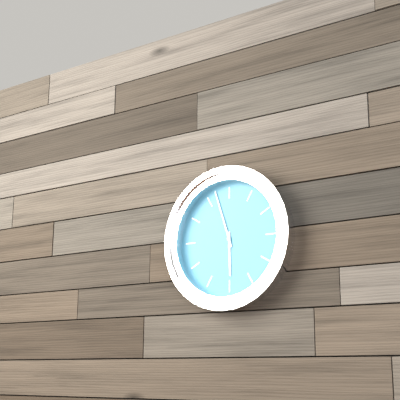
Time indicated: 5:57
